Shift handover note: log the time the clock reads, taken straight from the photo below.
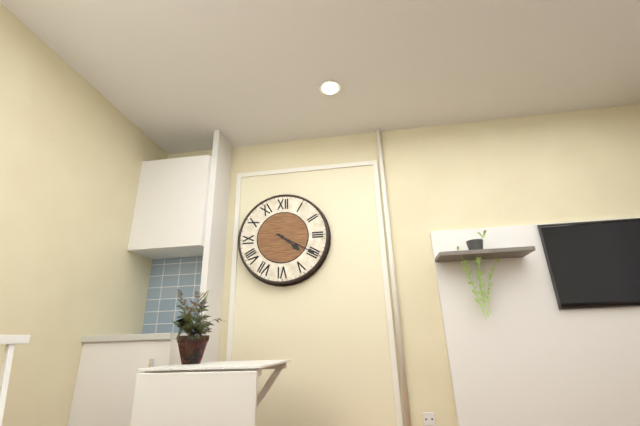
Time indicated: 4:20
